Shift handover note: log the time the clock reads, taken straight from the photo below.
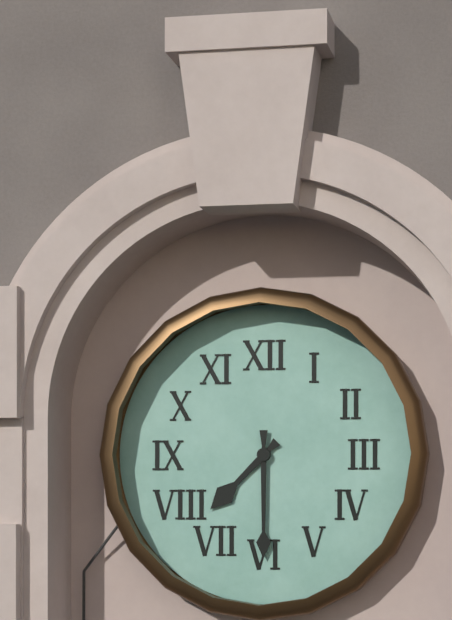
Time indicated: 7:30
